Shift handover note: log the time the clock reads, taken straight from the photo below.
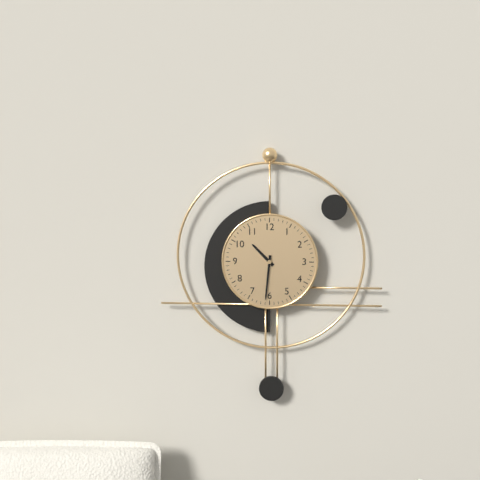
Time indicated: 10:31
